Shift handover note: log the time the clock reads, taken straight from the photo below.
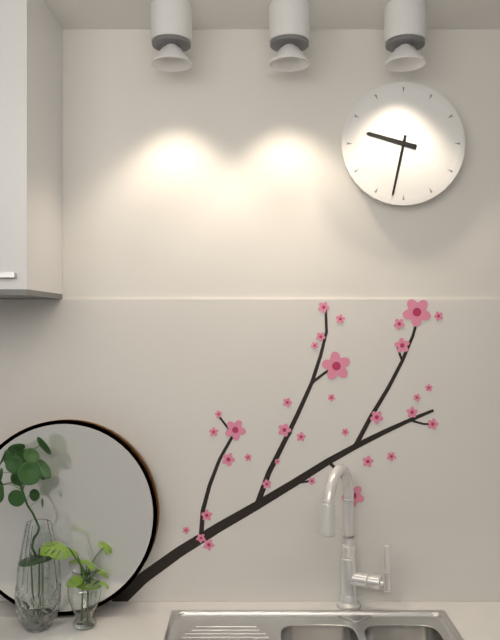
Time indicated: 9:32
